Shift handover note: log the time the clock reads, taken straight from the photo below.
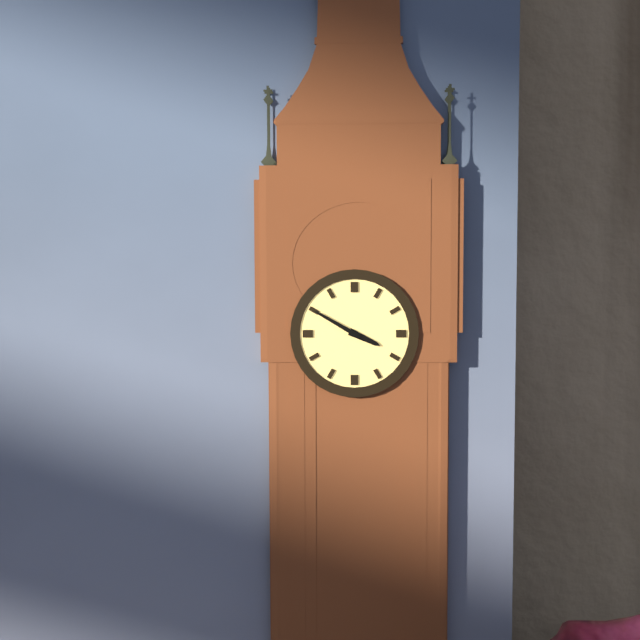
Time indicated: 3:50
